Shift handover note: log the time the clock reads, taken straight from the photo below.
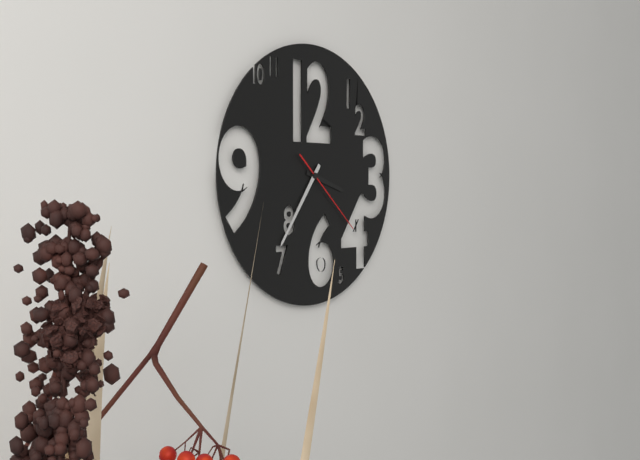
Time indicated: 3:36:22
